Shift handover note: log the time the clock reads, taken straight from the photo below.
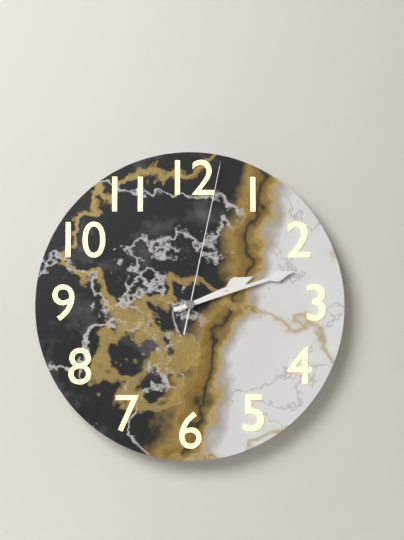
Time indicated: 2:12:02
